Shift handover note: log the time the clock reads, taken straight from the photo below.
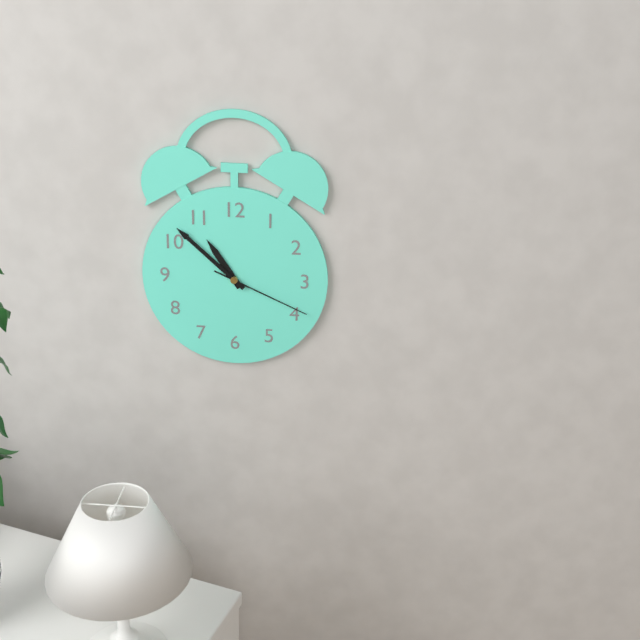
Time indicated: 10:52:19
